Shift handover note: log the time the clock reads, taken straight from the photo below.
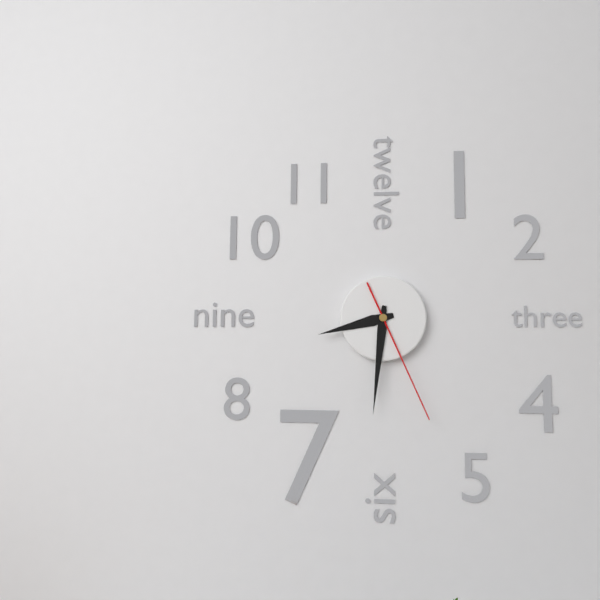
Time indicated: 8:31:26
